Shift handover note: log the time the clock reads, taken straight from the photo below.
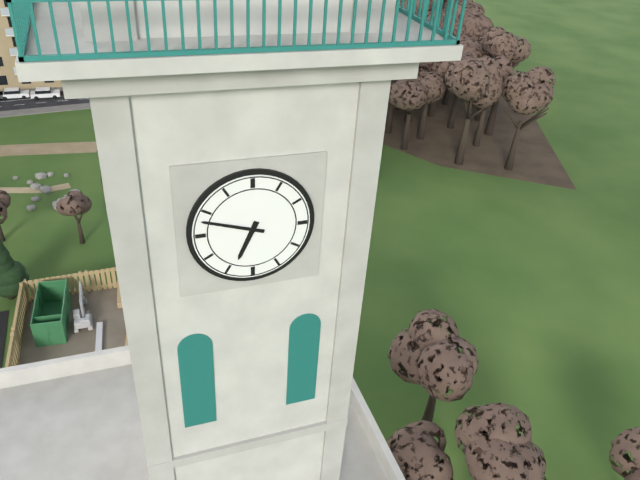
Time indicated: 6:48
